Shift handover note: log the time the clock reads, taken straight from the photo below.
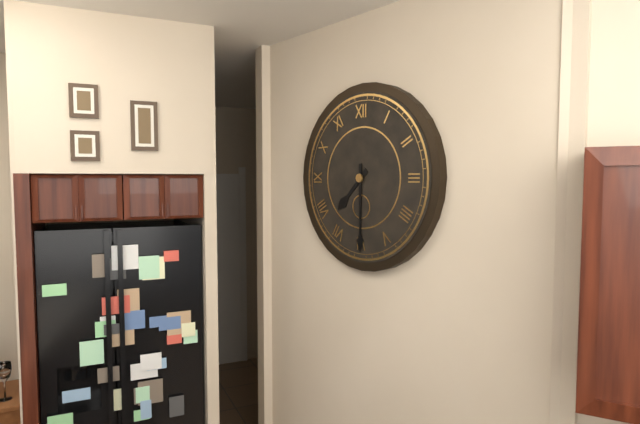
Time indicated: 7:30
